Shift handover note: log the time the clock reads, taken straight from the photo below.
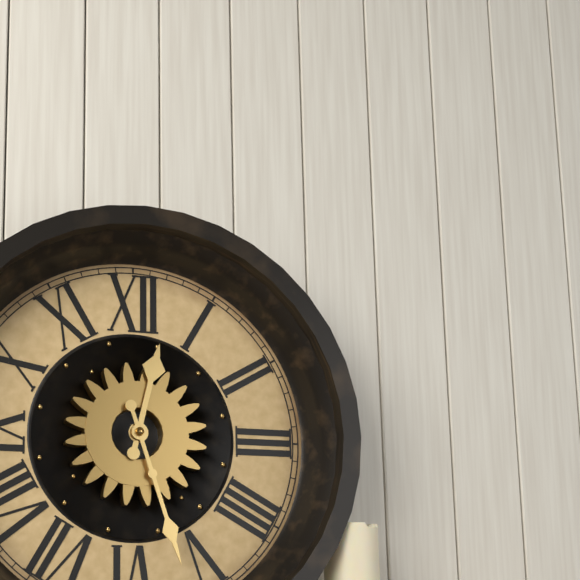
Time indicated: 12:27
